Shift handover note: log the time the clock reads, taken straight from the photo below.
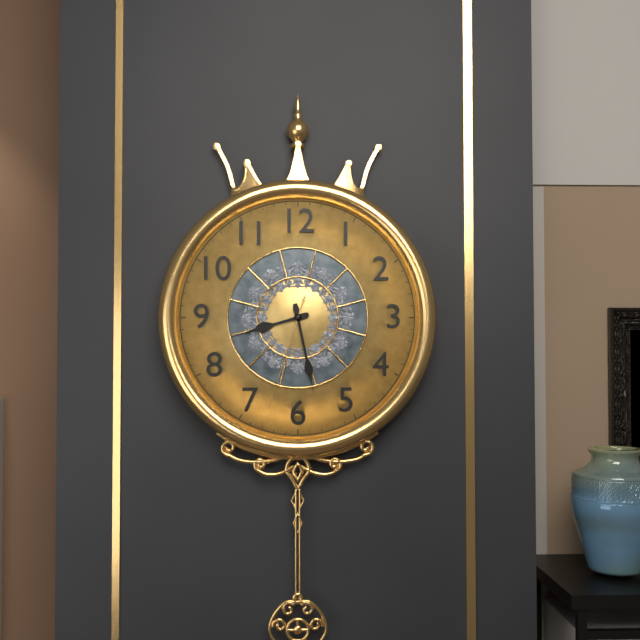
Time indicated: 8:28:33
